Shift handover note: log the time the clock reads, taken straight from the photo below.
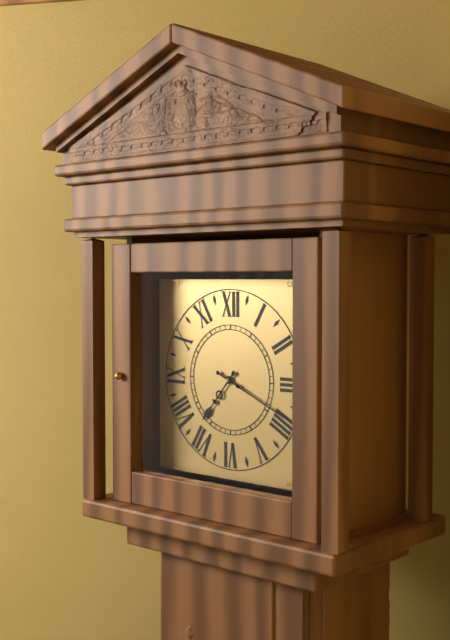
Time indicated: 7:19
